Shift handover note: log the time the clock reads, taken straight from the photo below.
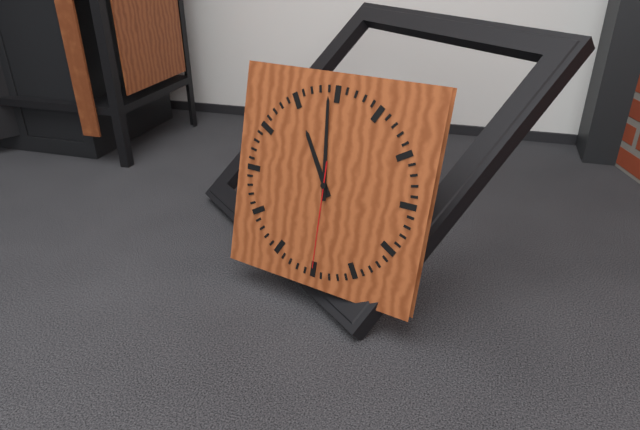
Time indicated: 10:59:30
